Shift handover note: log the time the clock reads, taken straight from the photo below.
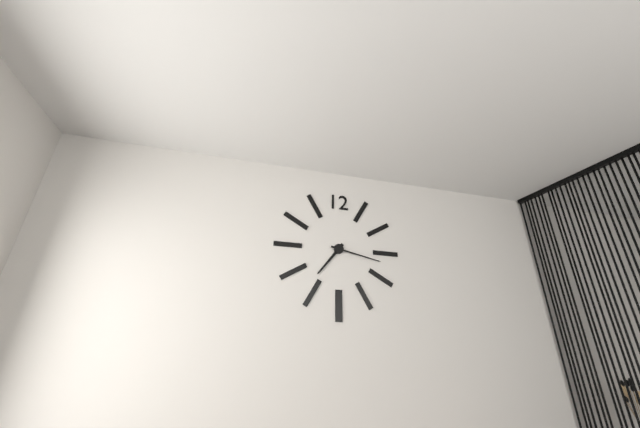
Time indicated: 7:17
